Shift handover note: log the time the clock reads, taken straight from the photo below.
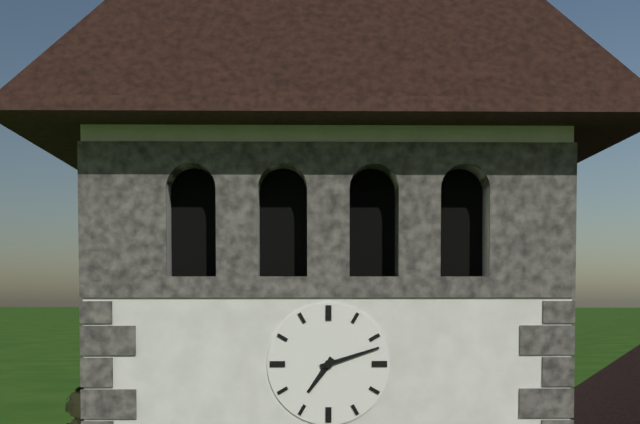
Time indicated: 7:12
